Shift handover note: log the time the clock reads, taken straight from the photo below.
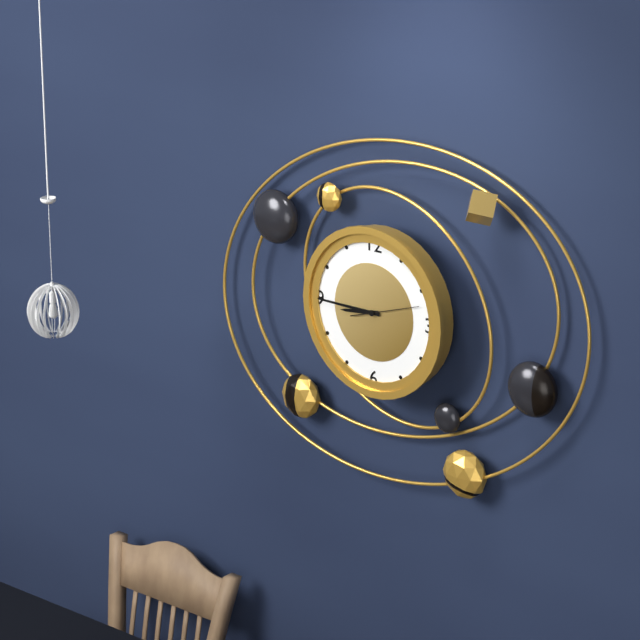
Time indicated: 8:45:12
